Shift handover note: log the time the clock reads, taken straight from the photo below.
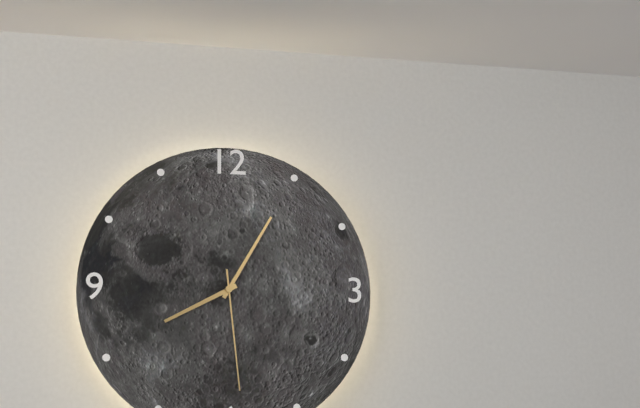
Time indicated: 8:05:29
